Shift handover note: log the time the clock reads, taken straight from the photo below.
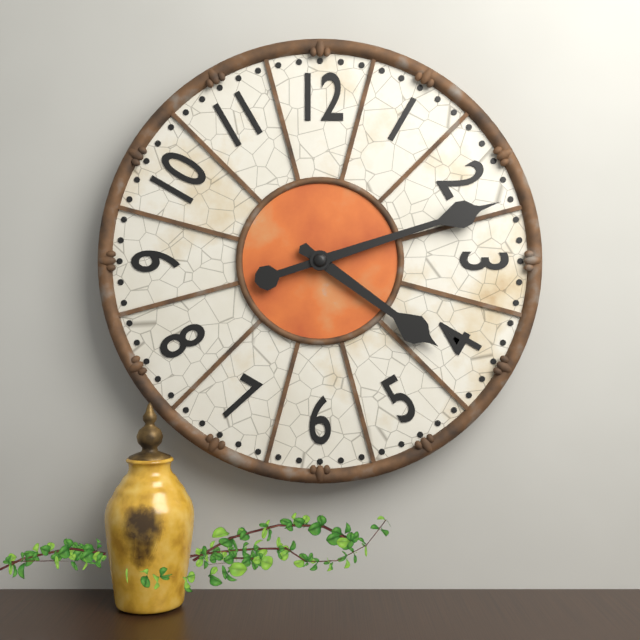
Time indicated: 4:12
